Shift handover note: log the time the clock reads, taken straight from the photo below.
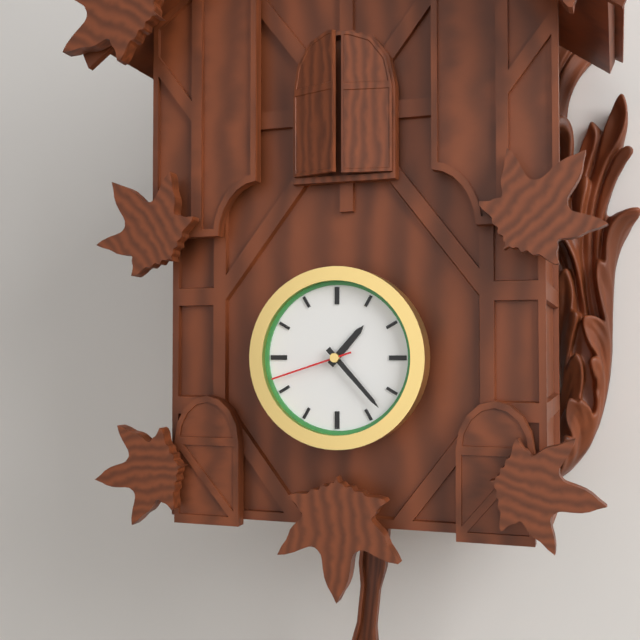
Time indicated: 1:23:42
